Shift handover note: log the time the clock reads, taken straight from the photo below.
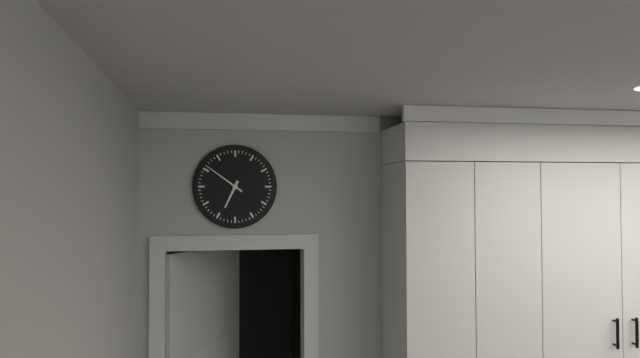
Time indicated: 6:51
